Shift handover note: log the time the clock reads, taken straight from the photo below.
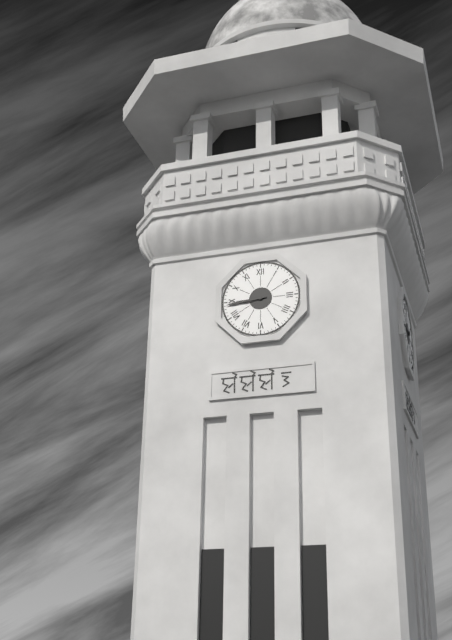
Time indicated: 8:44
